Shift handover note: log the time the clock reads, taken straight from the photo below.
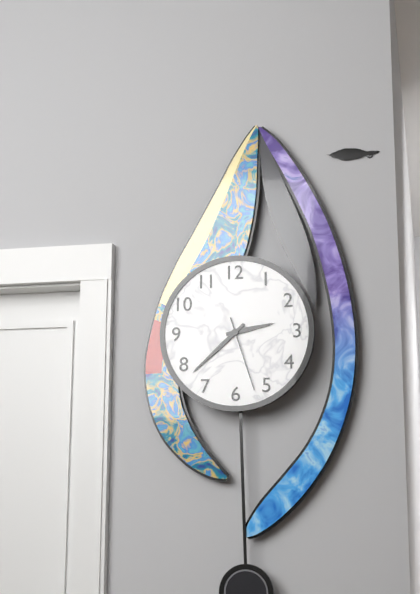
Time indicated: 2:38:27
